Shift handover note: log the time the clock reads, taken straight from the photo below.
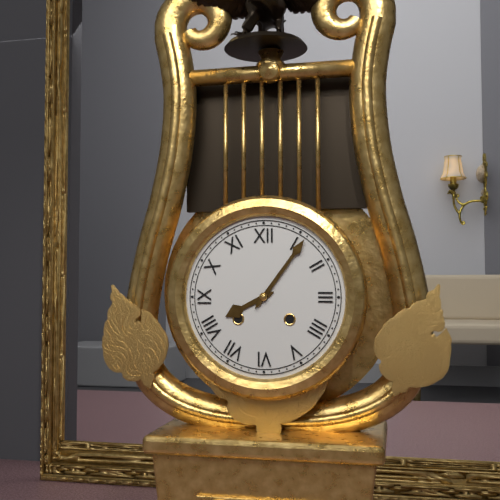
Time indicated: 8:06
